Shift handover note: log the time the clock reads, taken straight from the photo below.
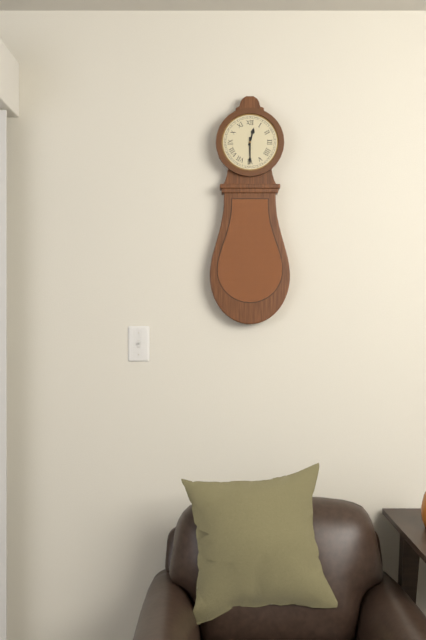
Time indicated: 12:30
